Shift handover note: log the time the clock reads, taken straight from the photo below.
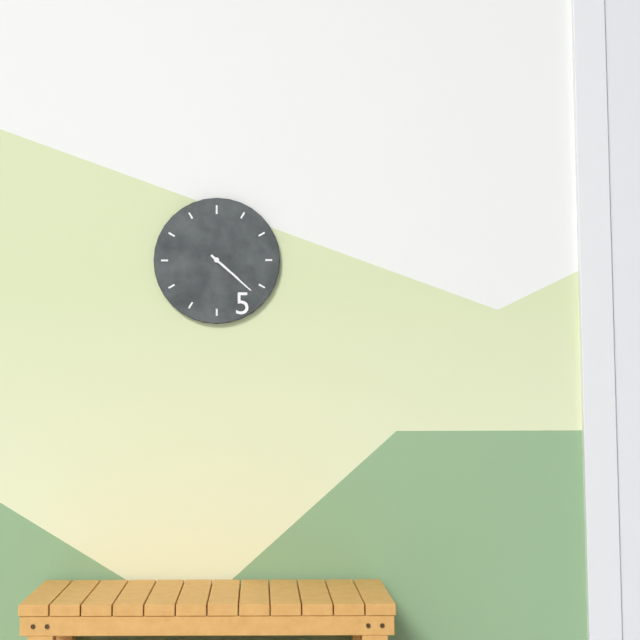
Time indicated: 4:22
